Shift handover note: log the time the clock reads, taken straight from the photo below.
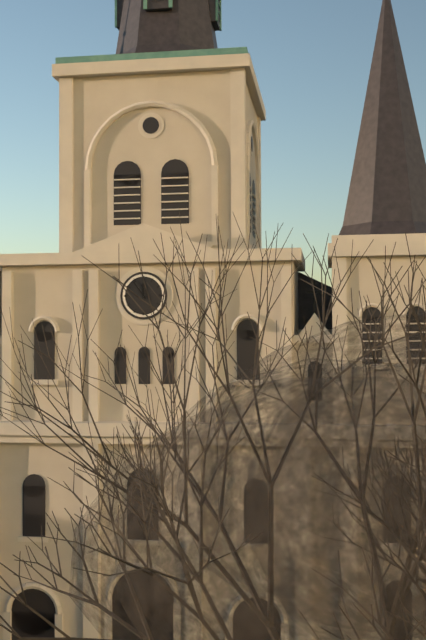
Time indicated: 11:54
